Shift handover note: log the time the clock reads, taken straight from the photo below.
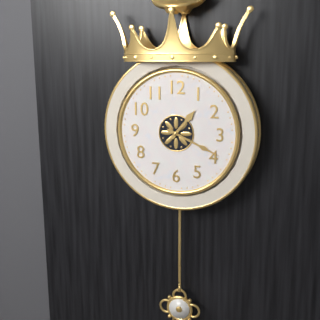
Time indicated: 1:19
